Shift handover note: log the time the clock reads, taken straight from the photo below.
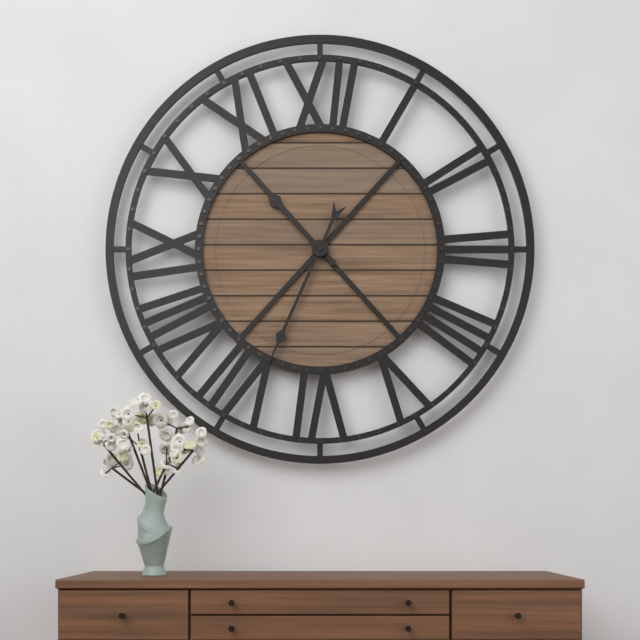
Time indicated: 10:34
